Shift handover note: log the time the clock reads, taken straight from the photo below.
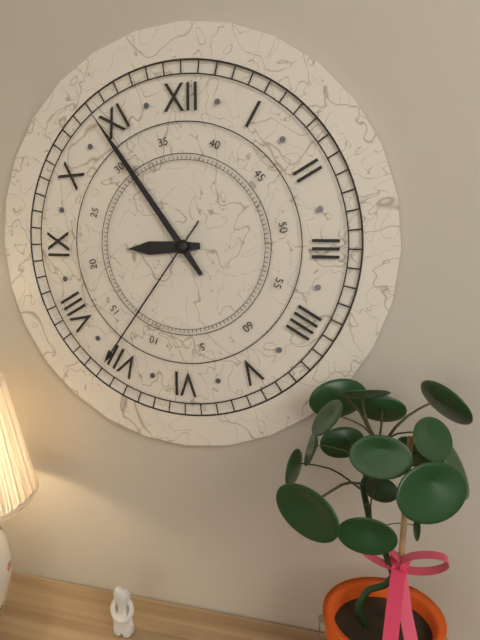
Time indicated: 8:54:36
